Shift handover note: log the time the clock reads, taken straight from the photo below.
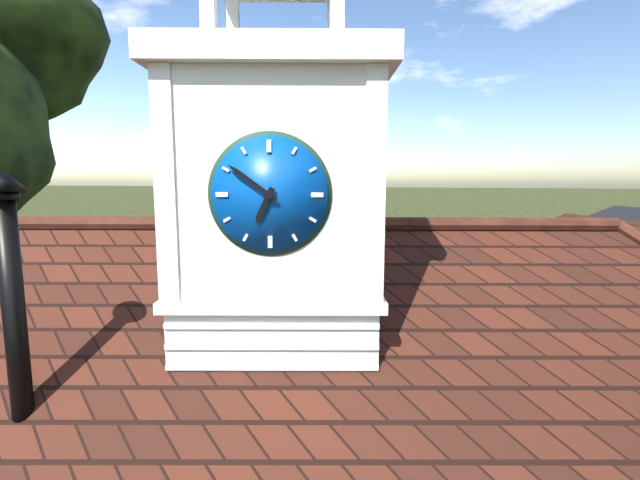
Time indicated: 6:51
